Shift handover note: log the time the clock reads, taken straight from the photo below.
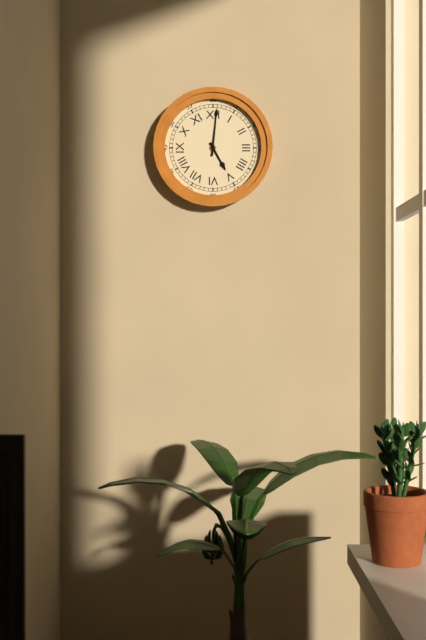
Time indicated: 5:01
